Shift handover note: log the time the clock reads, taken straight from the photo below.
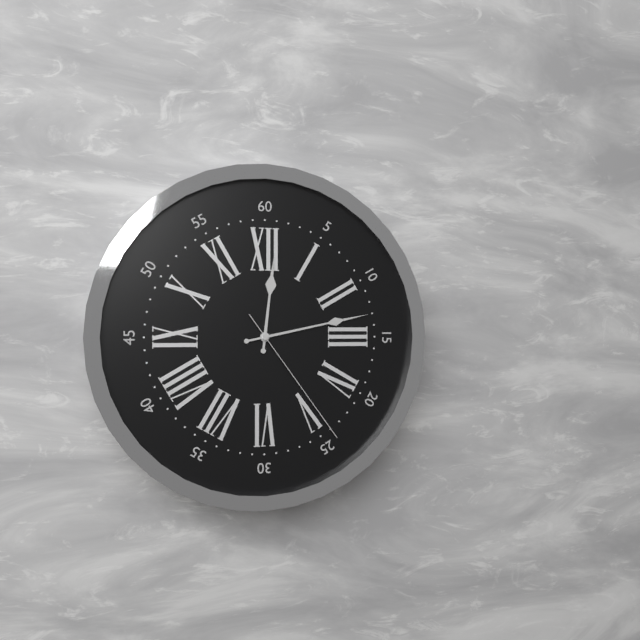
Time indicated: 12:13:24
